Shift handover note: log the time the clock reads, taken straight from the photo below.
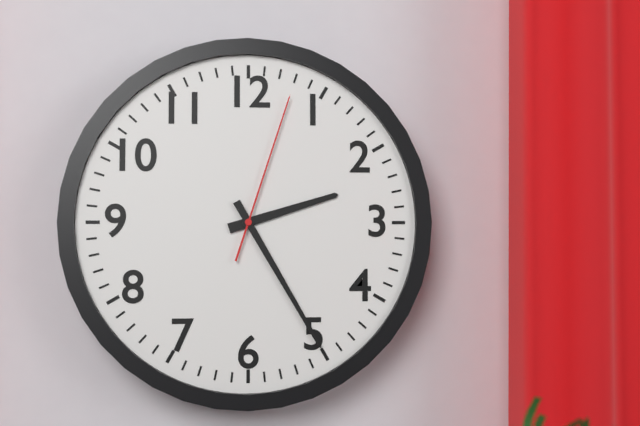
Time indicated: 2:25:03
